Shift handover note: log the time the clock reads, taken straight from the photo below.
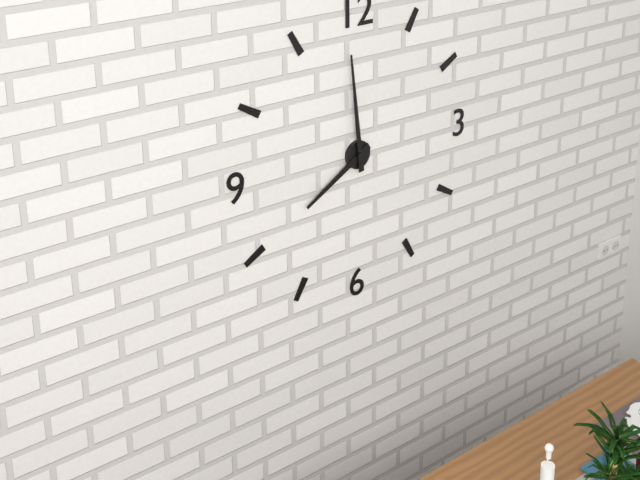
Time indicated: 7:59
